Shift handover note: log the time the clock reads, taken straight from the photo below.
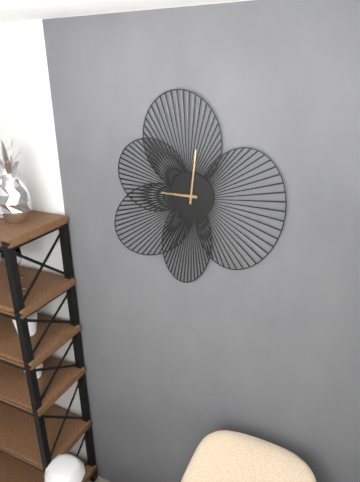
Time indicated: 9:01
